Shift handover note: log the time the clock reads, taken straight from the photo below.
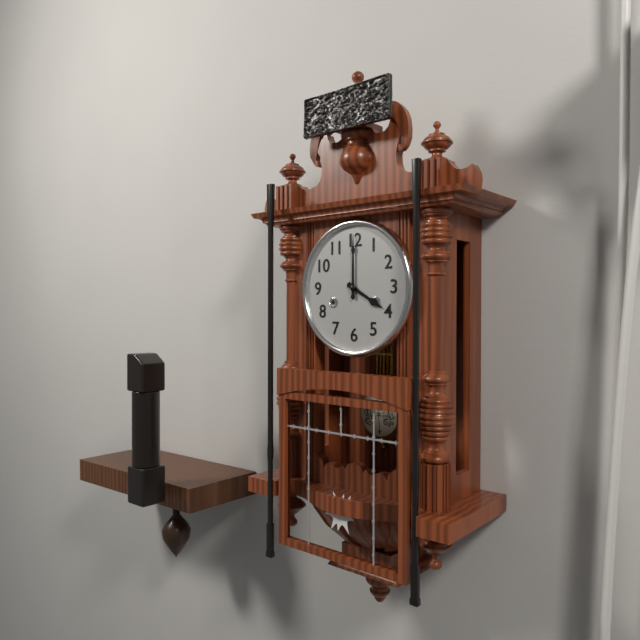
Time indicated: 4:00
